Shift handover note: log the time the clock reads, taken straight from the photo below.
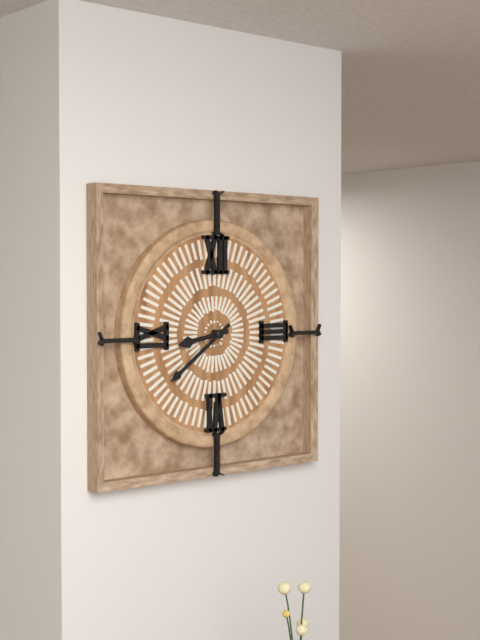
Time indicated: 8:39
